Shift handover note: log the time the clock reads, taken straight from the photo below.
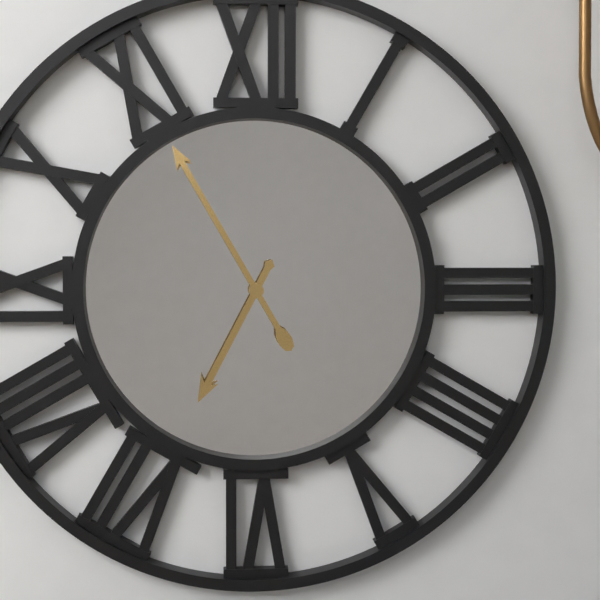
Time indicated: 6:55
